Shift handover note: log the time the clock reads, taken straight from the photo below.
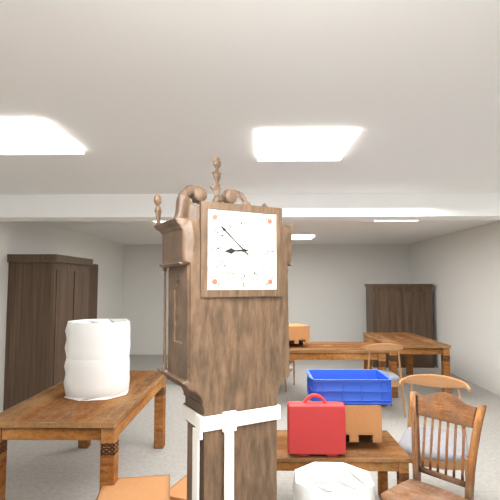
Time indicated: 8:52
